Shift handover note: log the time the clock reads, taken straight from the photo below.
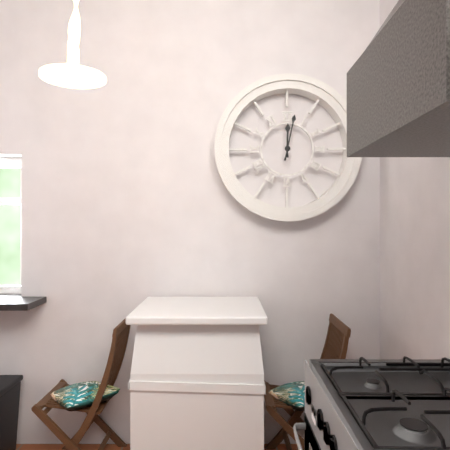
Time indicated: 12:02
